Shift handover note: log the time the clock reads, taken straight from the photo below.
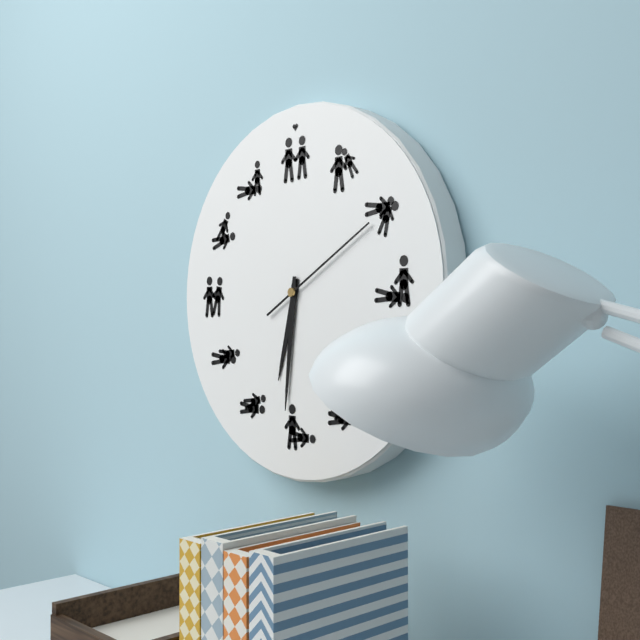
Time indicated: 6:31:10
